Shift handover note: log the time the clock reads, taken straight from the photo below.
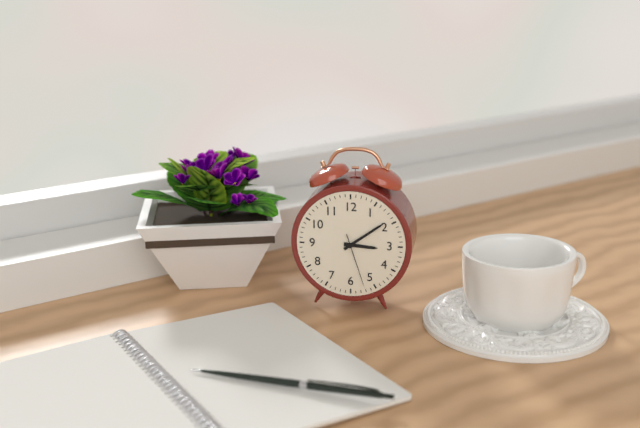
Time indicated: 3:09:27
